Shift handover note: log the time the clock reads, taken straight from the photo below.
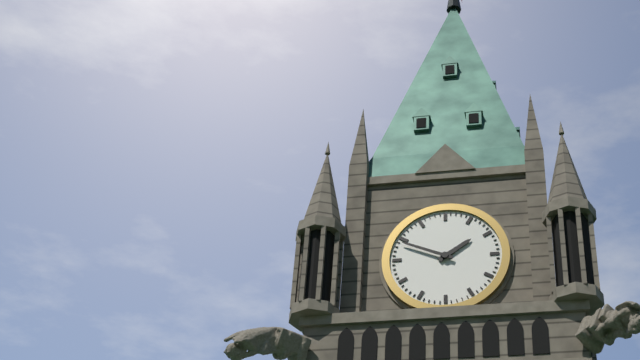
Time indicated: 1:49
